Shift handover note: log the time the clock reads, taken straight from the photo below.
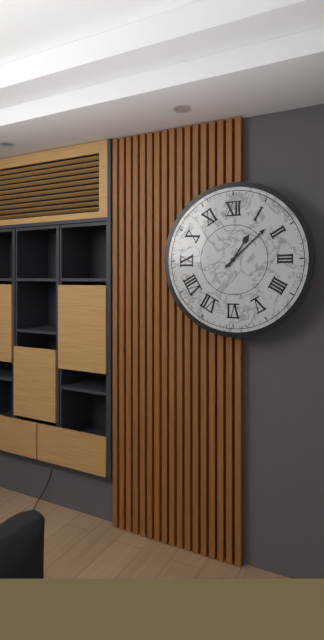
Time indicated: 1:08
